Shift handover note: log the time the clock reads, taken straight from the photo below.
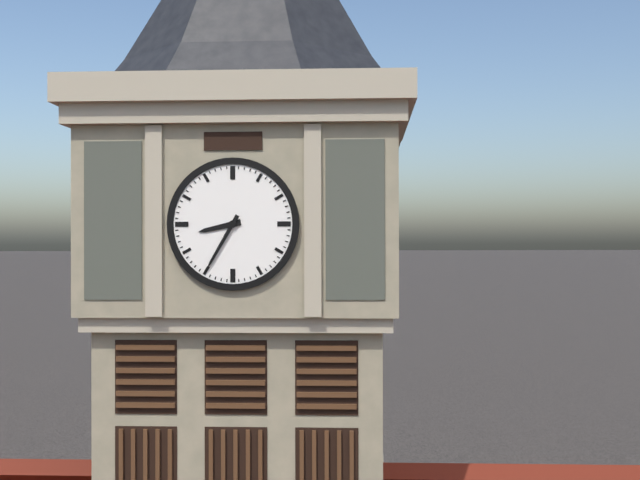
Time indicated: 8:35
